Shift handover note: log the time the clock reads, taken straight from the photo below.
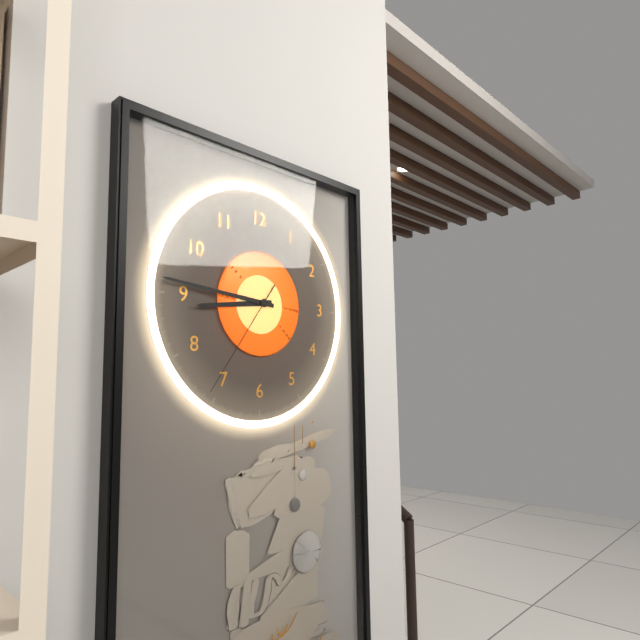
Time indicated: 8:46:36
